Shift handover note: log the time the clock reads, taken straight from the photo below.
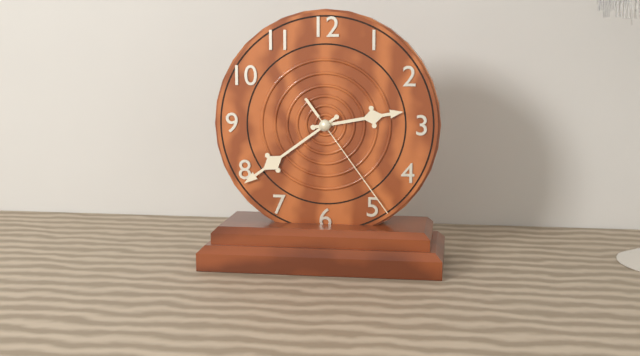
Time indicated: 2:39:24
